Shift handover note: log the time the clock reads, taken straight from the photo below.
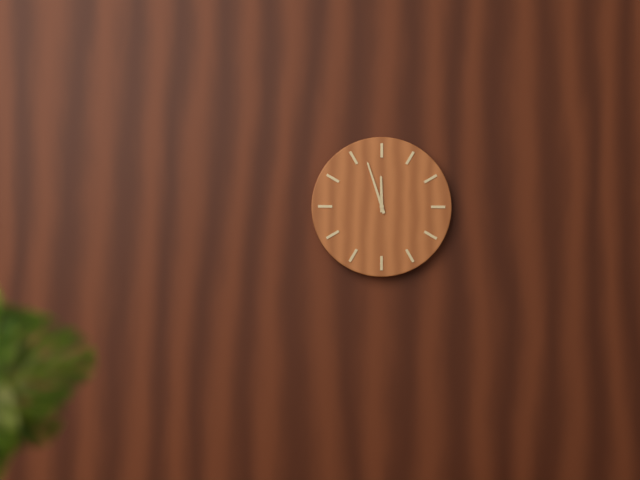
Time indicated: 11:57
